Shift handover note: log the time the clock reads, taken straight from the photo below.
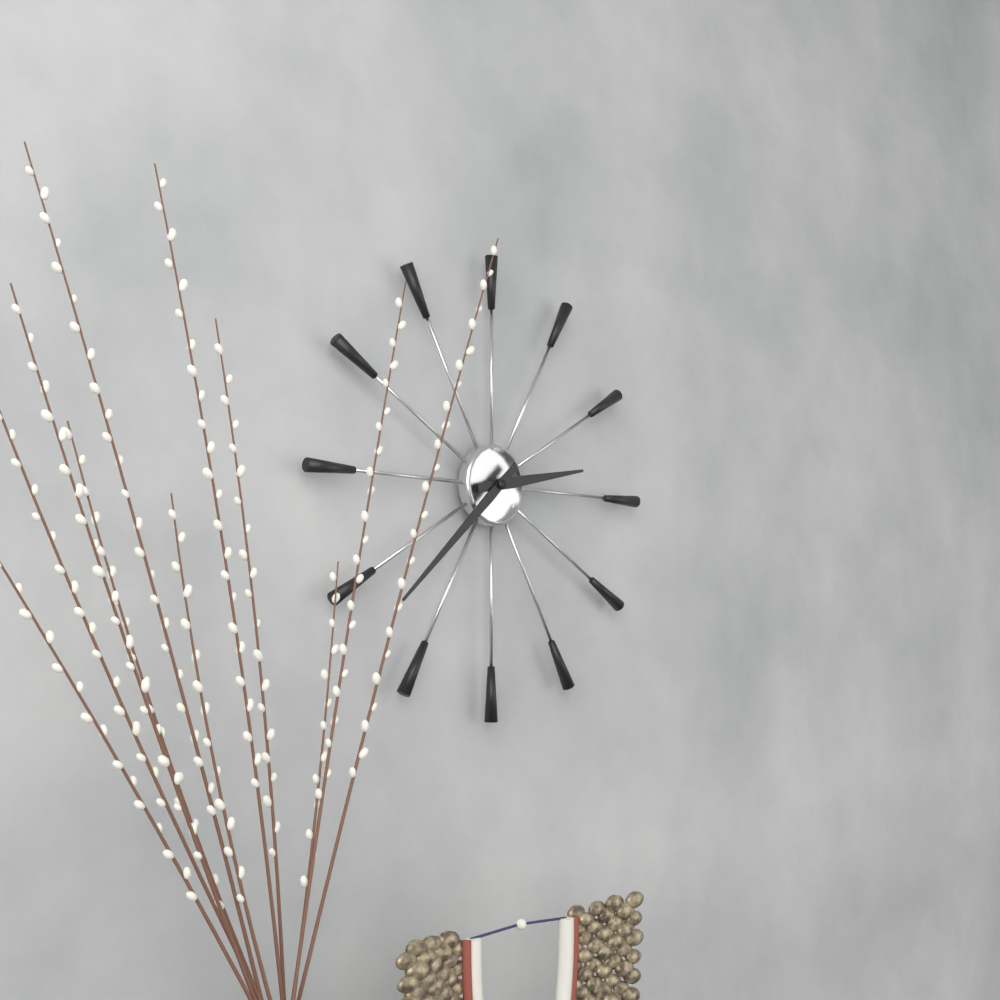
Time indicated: 2:38
